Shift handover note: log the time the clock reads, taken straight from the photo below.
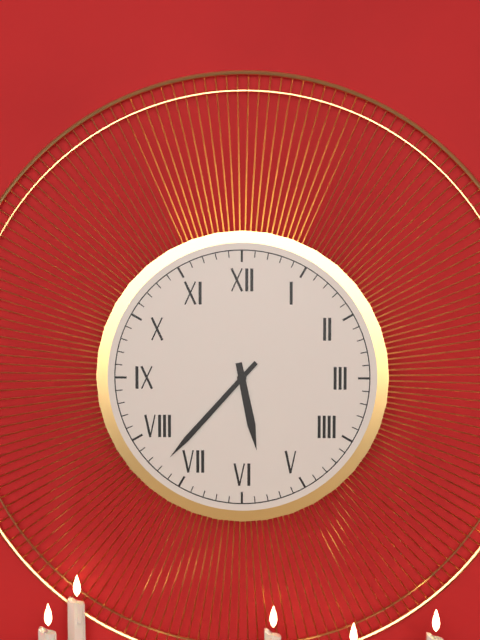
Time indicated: 5:37
